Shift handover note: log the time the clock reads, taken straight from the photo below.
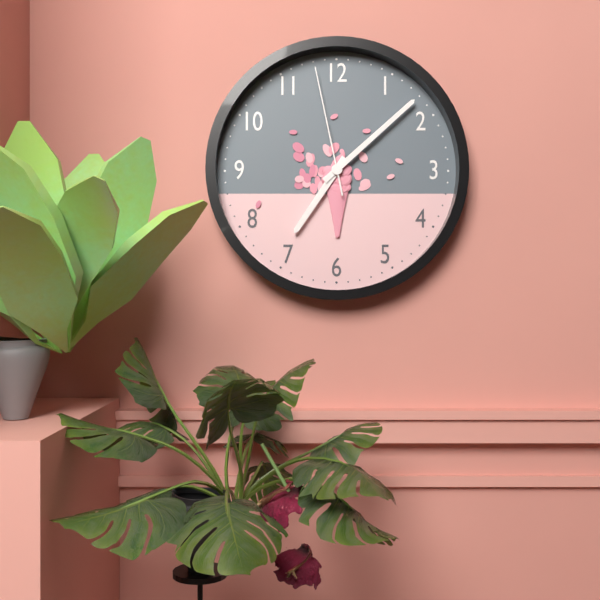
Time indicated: 7:08:58
